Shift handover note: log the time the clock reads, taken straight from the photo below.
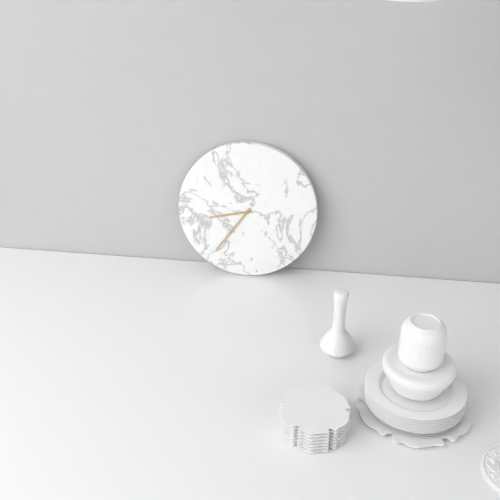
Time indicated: 8:36
